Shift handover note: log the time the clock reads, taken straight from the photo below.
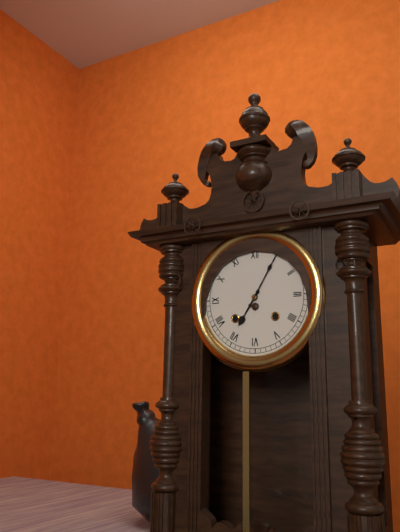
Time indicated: 7:05
